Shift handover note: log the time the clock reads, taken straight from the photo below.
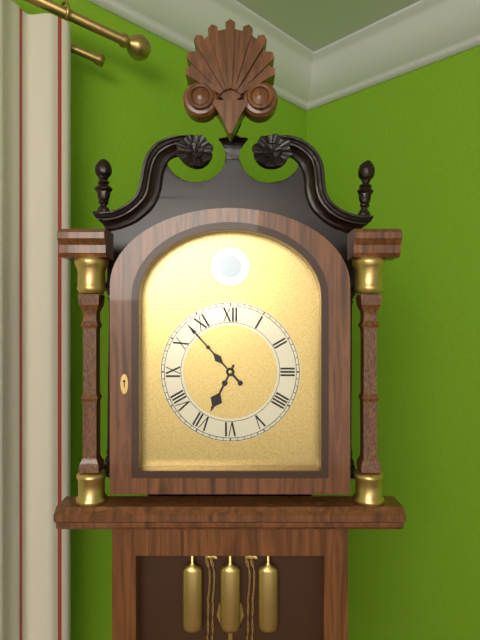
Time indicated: 6:53
